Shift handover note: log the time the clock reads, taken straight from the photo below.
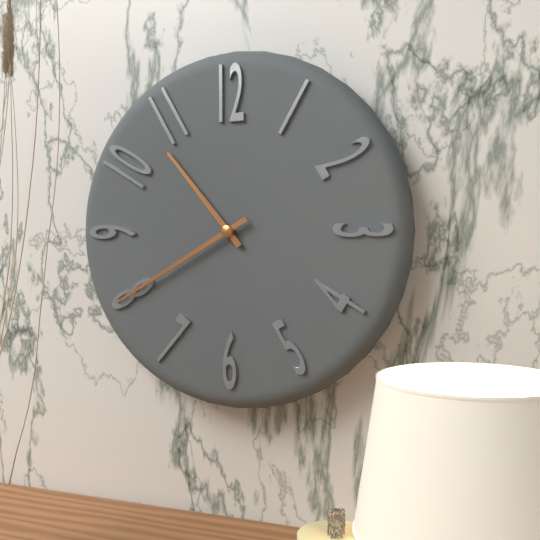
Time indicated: 10:40
